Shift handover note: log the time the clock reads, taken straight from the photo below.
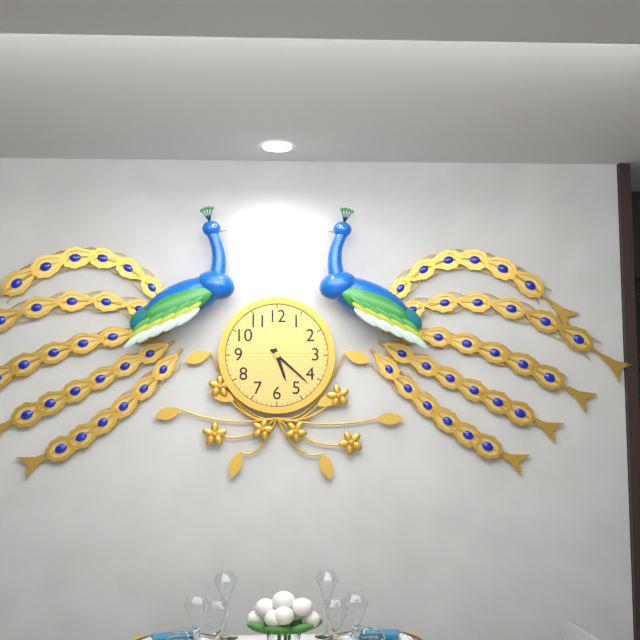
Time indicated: 5:22
